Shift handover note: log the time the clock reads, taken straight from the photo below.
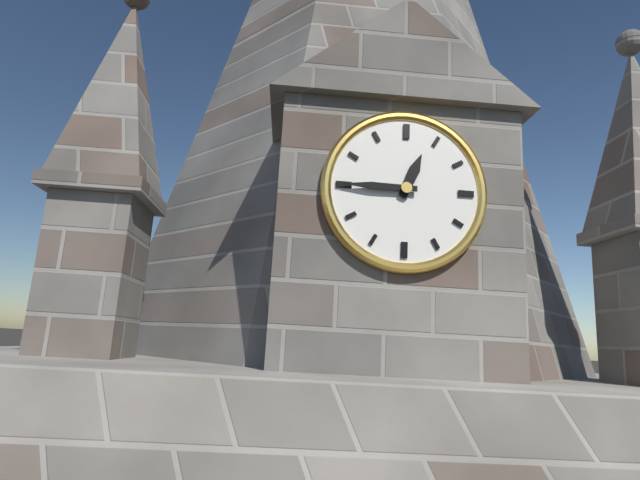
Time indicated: 12:45
